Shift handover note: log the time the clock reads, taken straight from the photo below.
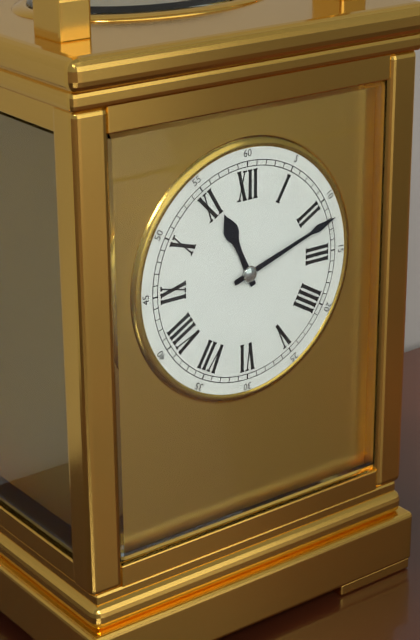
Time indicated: 11:12
